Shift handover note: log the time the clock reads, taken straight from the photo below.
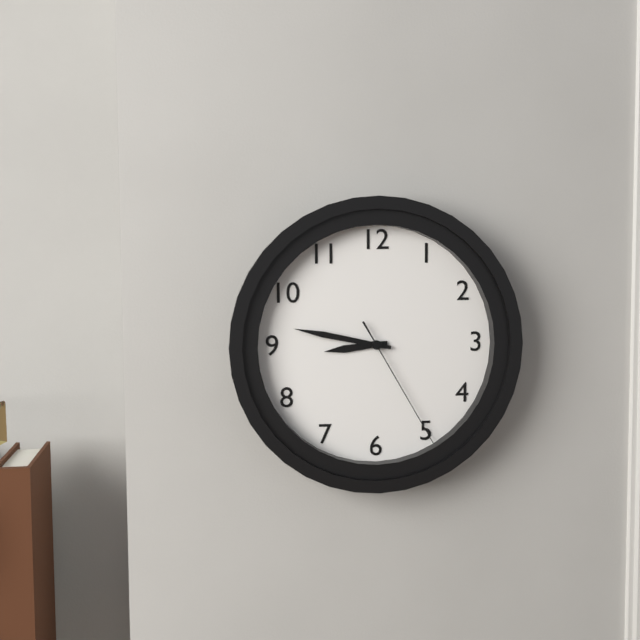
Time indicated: 8:47:25
